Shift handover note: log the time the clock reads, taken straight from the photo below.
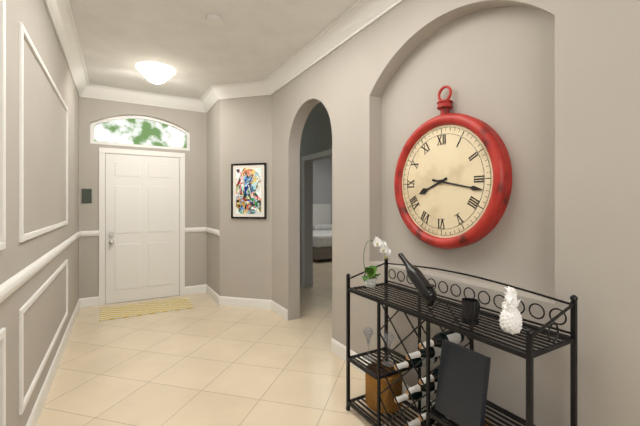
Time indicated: 8:17
